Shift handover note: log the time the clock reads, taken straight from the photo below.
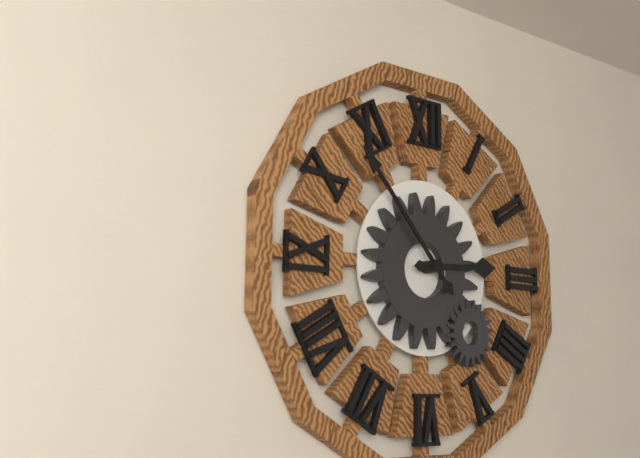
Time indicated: 2:53
